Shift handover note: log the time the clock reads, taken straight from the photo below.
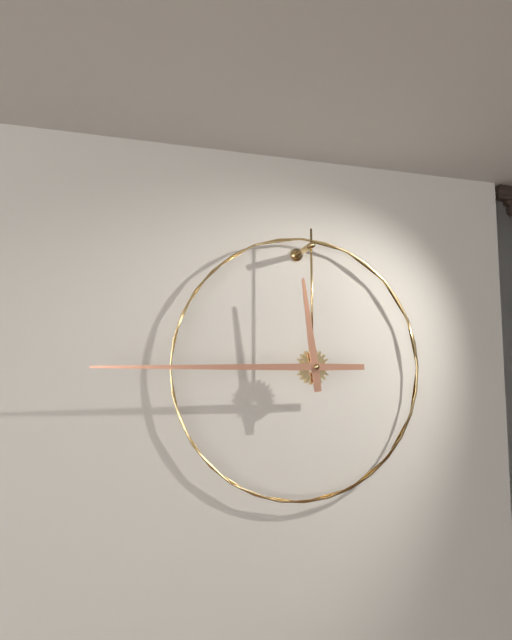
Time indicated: 11:45
